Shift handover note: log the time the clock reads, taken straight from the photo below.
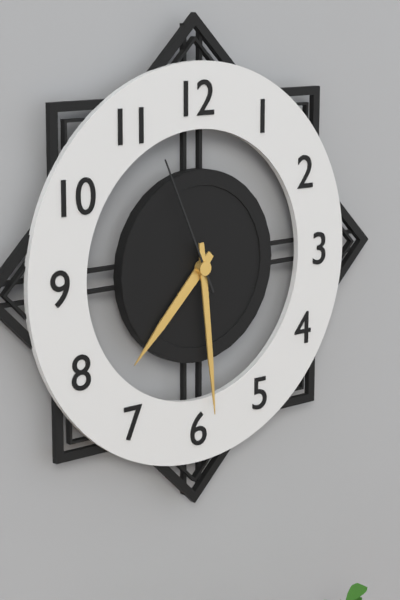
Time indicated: 7:29:56
